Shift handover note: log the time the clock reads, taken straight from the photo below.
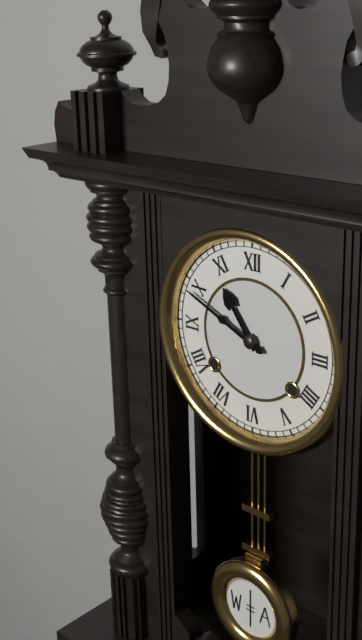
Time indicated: 10:49
